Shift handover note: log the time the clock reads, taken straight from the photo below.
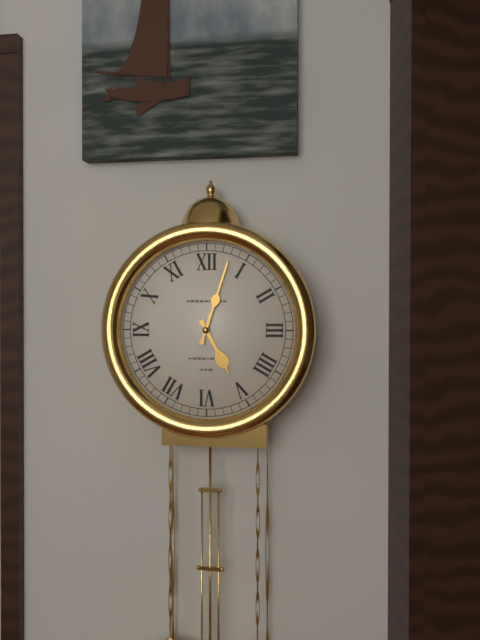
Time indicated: 5:03
